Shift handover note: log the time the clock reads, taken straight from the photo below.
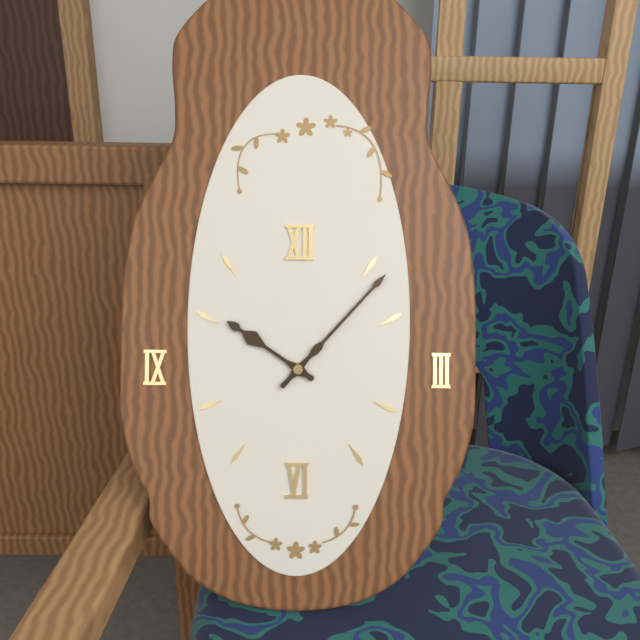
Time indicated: 10:07
